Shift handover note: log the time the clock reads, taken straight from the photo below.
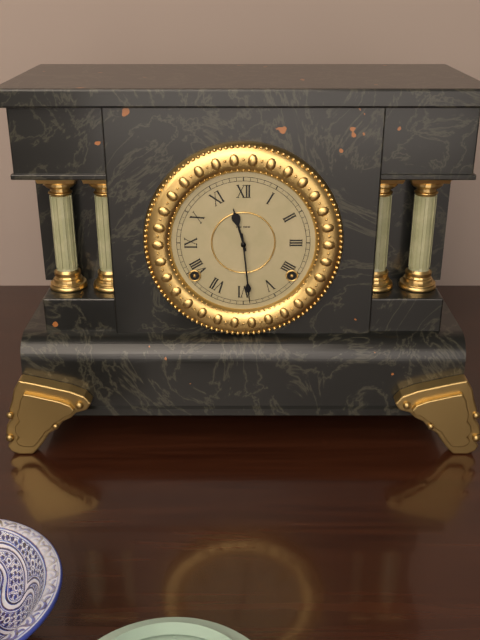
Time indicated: 11:29
